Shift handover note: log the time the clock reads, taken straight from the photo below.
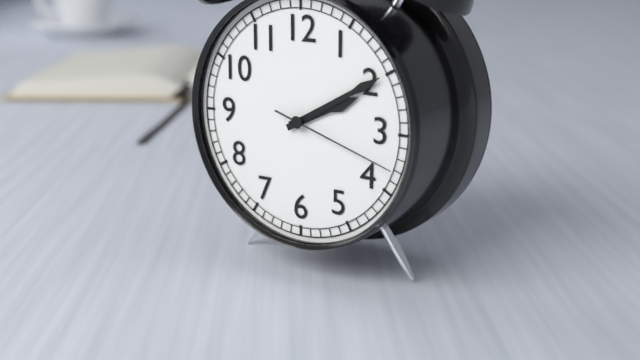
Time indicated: 2:10:18
